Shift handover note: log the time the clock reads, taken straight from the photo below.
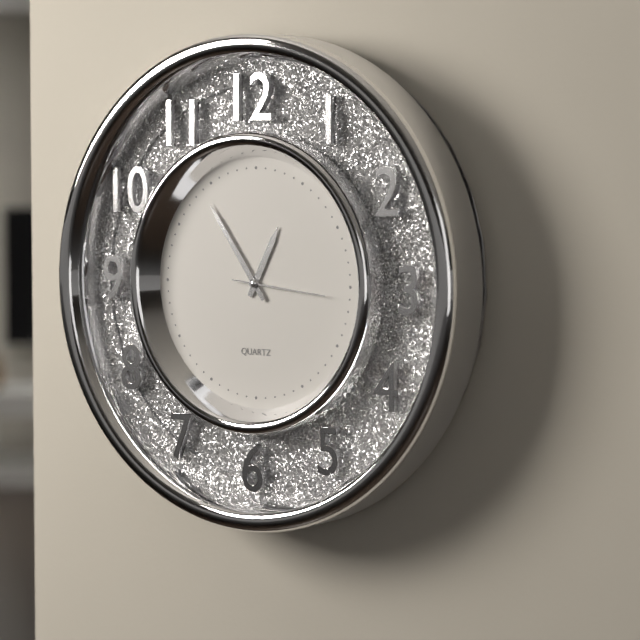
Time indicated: 12:54:16
